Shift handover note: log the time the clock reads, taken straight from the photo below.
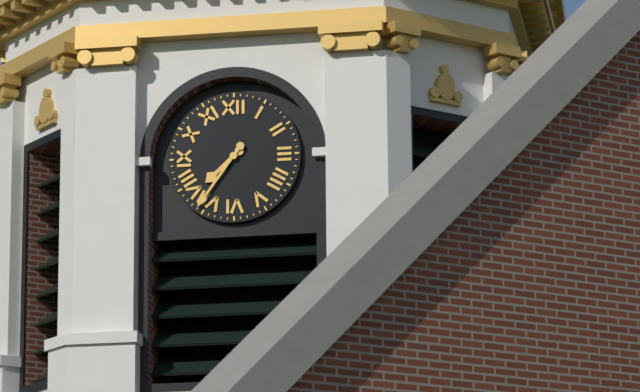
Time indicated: 7:36
